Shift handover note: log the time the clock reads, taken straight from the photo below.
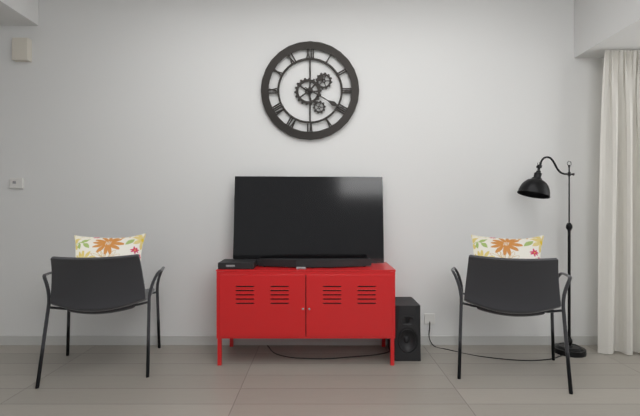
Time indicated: 1:20
